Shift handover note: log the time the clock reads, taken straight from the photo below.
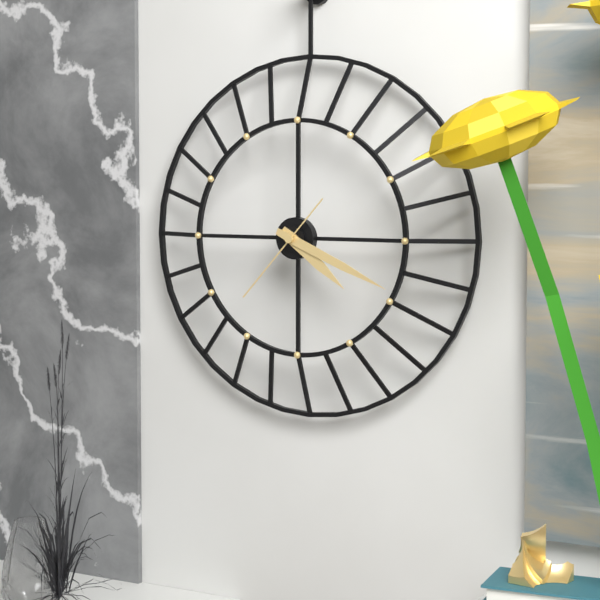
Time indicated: 4:19:37
